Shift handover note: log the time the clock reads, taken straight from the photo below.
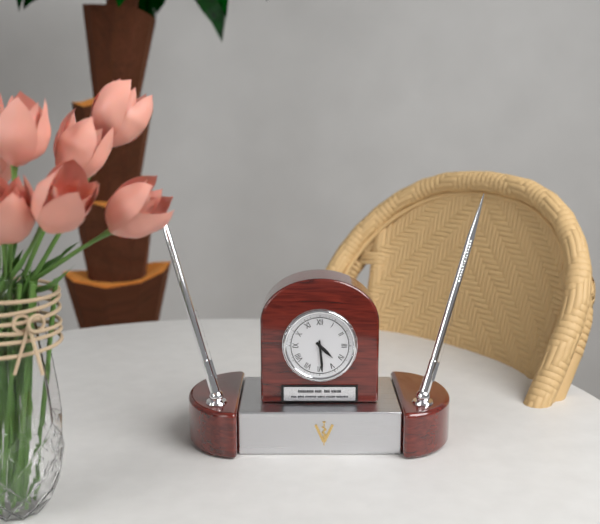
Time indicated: 4:29
